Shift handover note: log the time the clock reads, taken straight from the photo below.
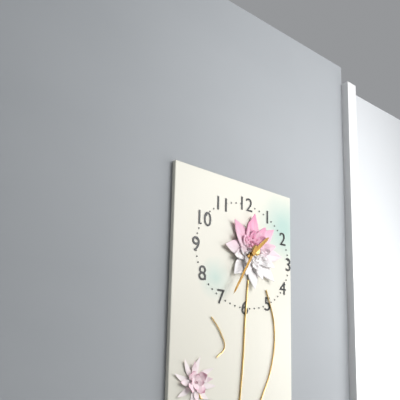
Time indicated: 1:35
